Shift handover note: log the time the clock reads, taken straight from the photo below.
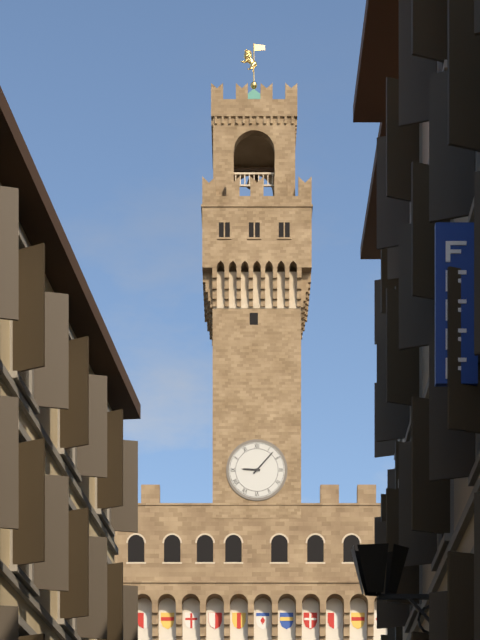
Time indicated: 9:07
